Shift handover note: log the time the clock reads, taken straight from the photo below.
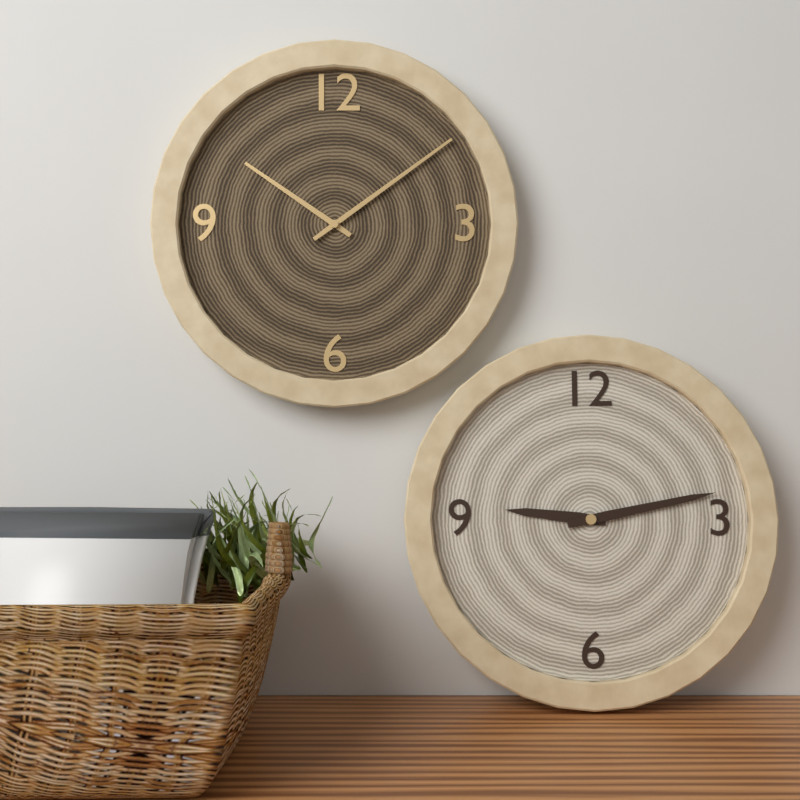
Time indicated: 9:13
